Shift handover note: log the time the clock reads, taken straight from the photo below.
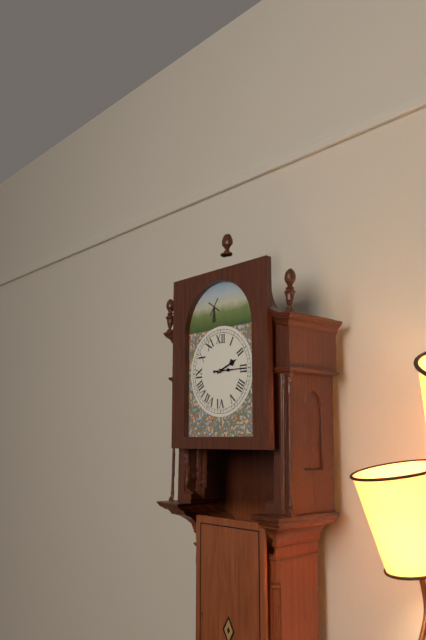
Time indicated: 2:15
